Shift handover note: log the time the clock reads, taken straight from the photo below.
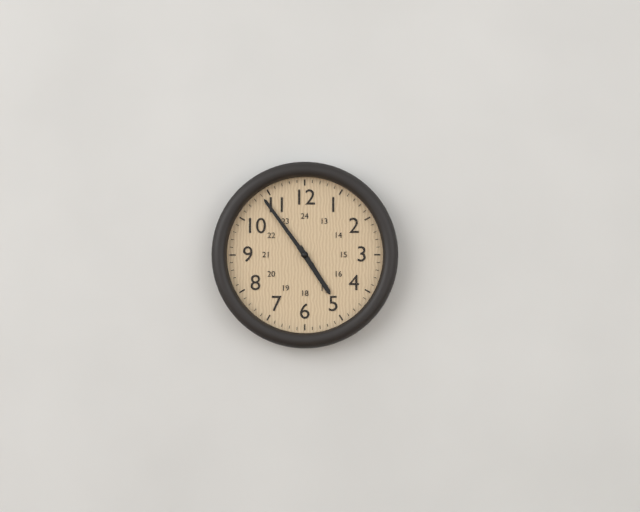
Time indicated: 4:54
